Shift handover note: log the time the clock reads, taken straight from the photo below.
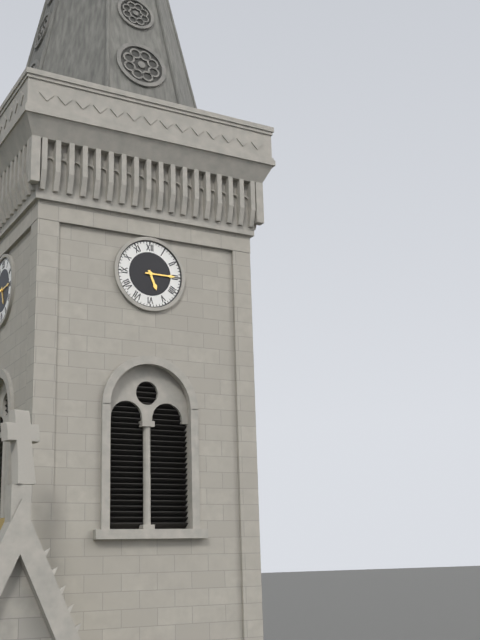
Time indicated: 5:15
